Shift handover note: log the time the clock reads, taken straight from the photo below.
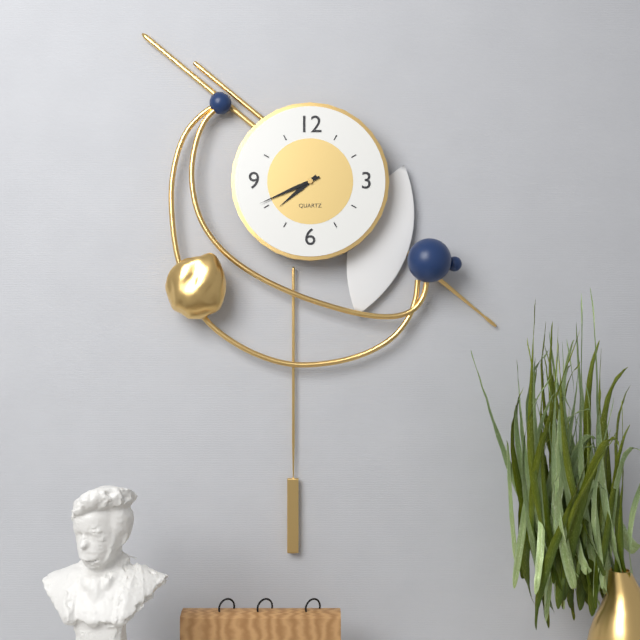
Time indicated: 7:41
